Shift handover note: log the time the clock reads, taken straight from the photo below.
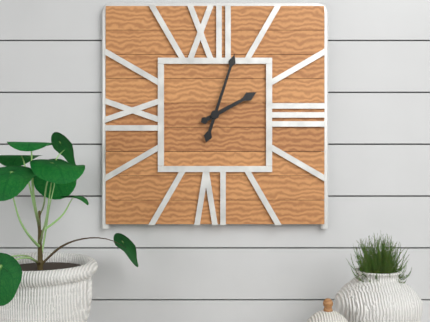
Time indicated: 2:03
